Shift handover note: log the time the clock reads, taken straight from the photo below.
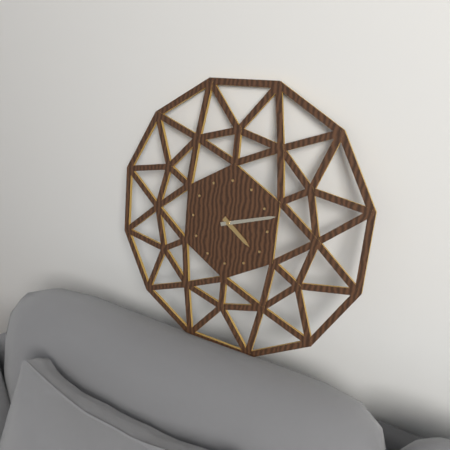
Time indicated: 4:12
